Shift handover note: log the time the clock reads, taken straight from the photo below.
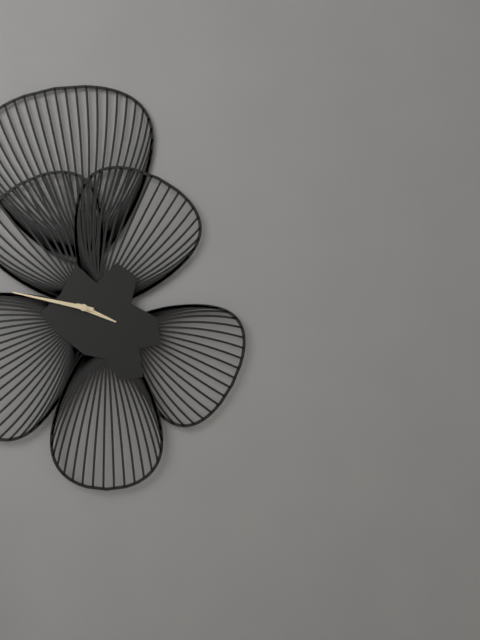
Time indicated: 3:47
